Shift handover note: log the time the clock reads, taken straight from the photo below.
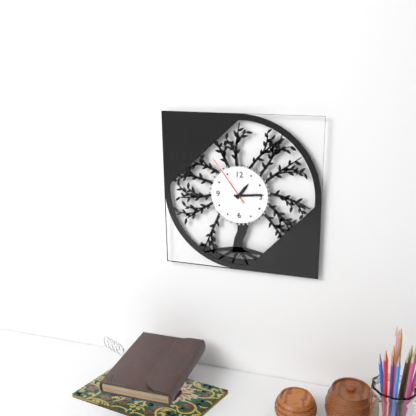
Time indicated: 1:14:54
